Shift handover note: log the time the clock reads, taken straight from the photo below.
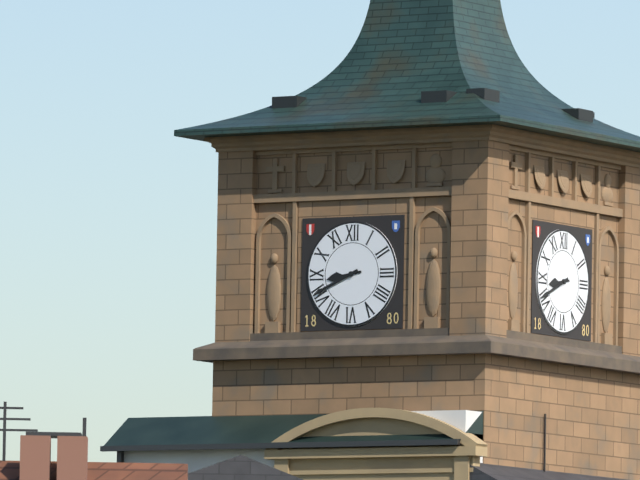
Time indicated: 8:41
